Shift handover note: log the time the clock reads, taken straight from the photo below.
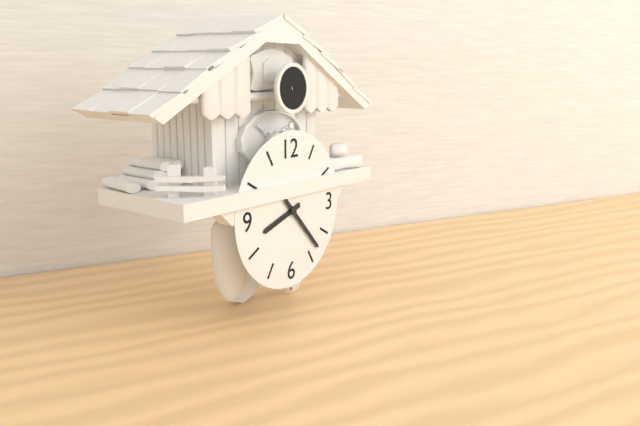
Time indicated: 8:23
